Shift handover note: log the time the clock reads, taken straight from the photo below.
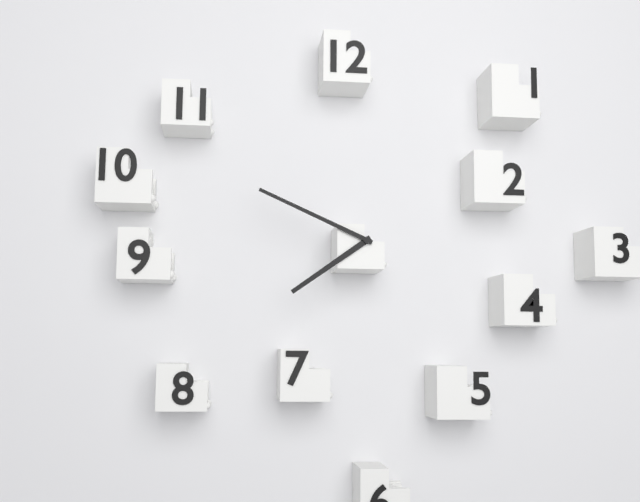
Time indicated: 7:49
